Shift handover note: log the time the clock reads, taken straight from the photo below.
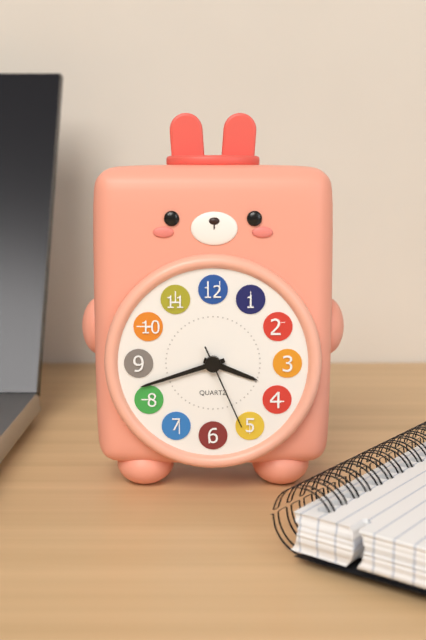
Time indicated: 3:42:26
